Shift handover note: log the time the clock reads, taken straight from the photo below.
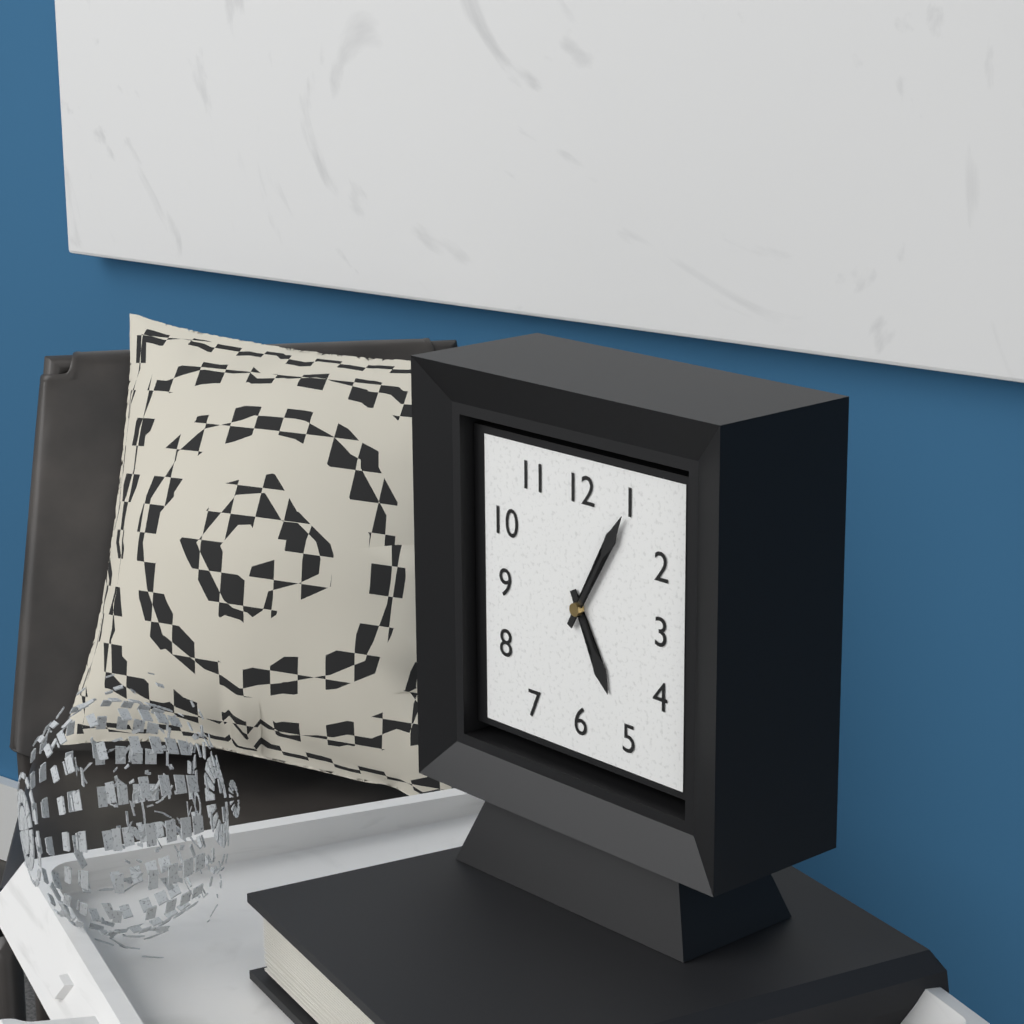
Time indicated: 5:05
